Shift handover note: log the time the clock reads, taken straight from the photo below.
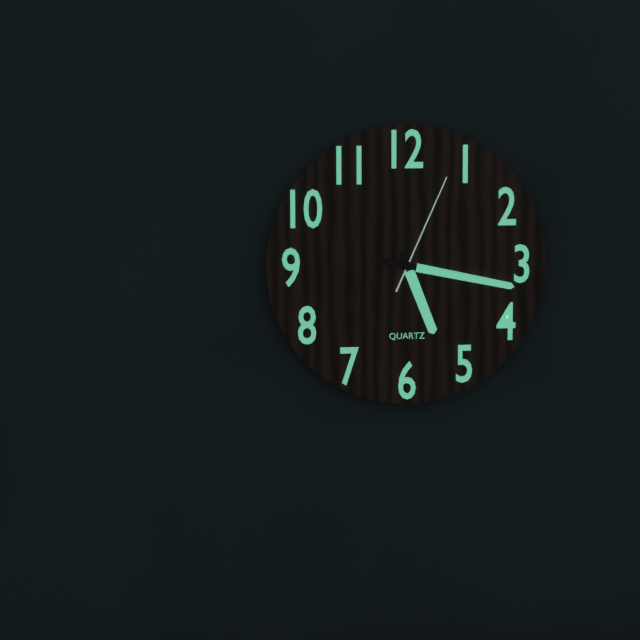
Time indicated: 5:17:04
